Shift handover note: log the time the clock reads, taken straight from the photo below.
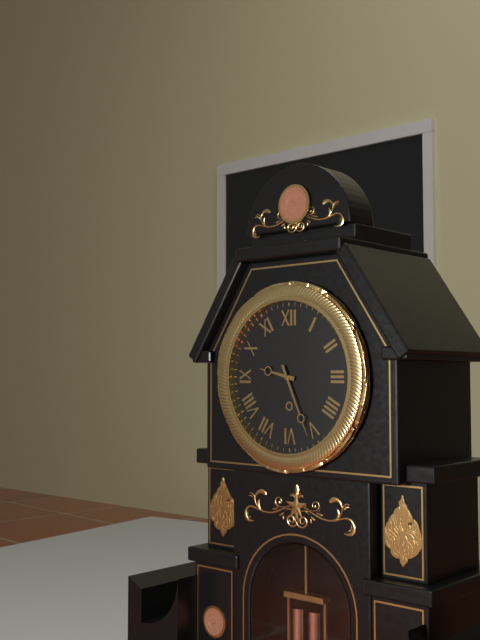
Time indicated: 9:26
